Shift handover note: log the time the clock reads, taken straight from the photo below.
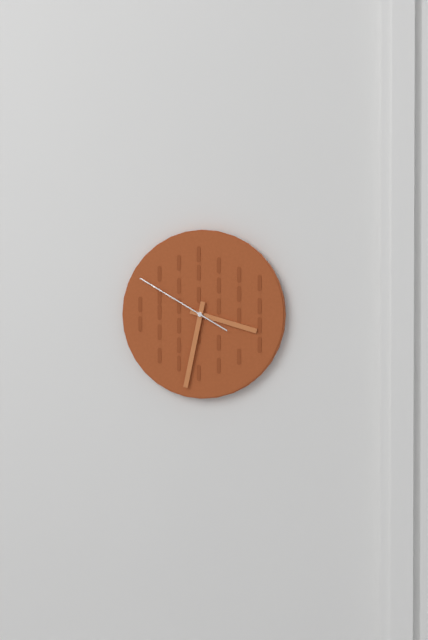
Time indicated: 3:32:50
